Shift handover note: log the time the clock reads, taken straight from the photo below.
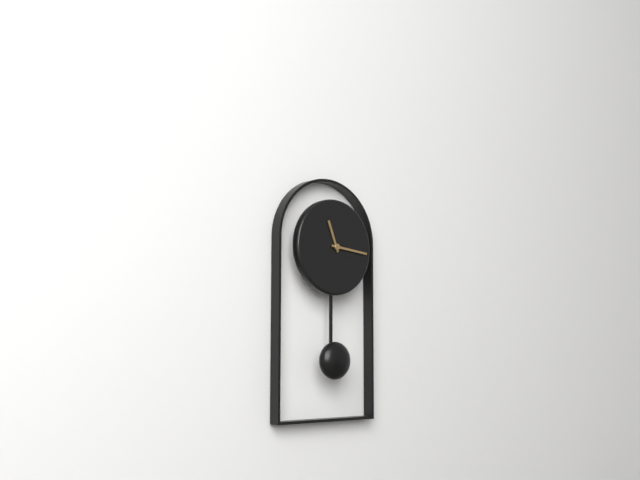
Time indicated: 11:16
